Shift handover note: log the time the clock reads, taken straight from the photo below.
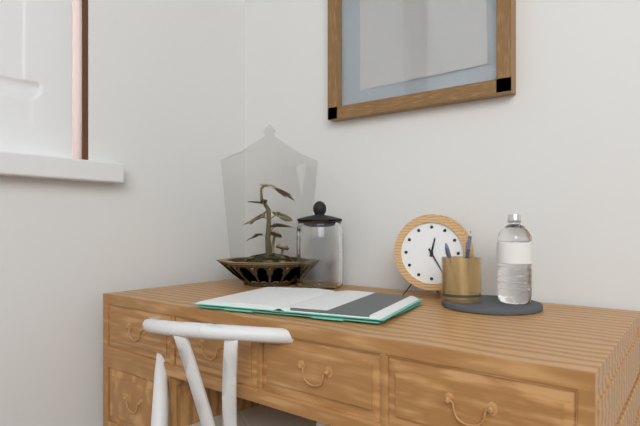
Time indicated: 12:25
